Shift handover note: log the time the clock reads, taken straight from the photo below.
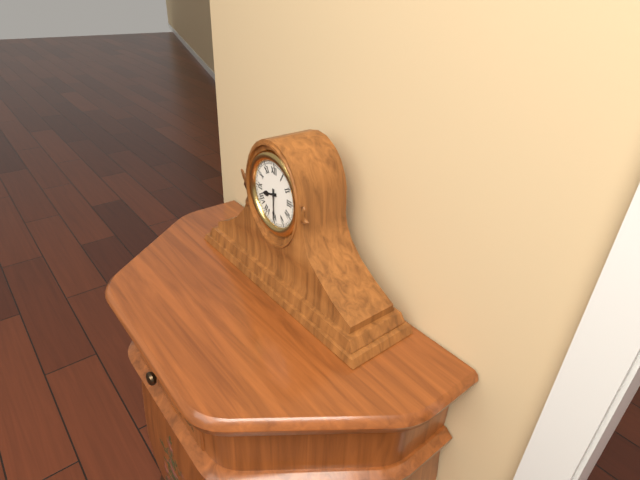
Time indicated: 8:30
